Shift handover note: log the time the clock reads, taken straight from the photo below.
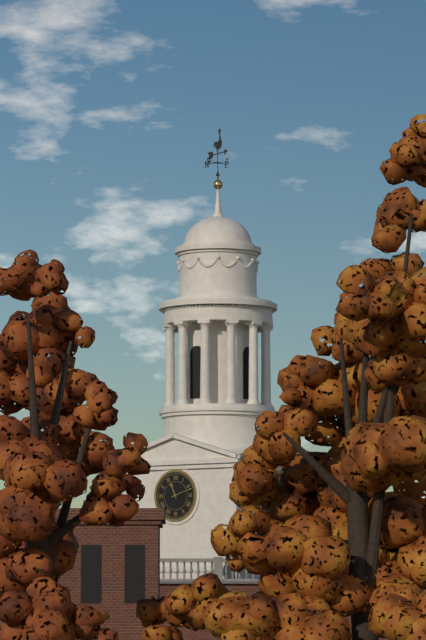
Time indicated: 11:12
